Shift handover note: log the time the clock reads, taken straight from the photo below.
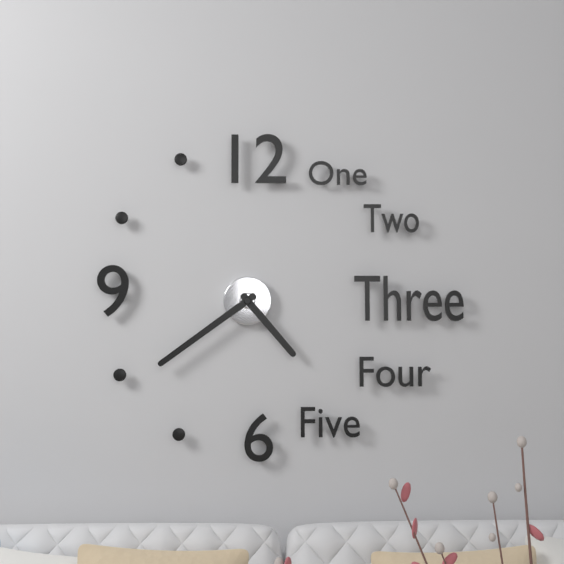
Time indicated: 4:39
